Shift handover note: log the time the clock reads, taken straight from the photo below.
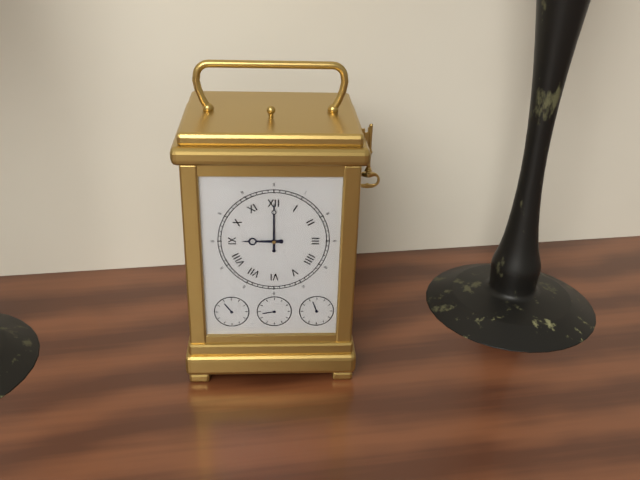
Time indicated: 9:00
